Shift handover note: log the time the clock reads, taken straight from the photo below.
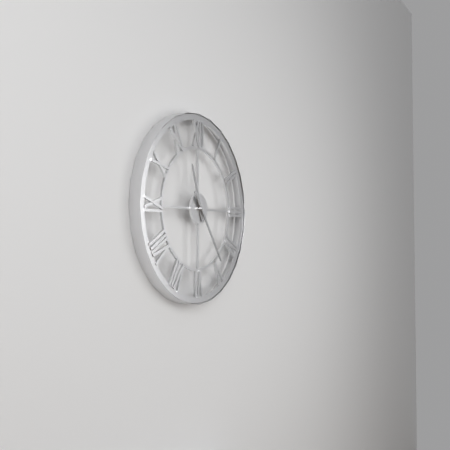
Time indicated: 11:24
